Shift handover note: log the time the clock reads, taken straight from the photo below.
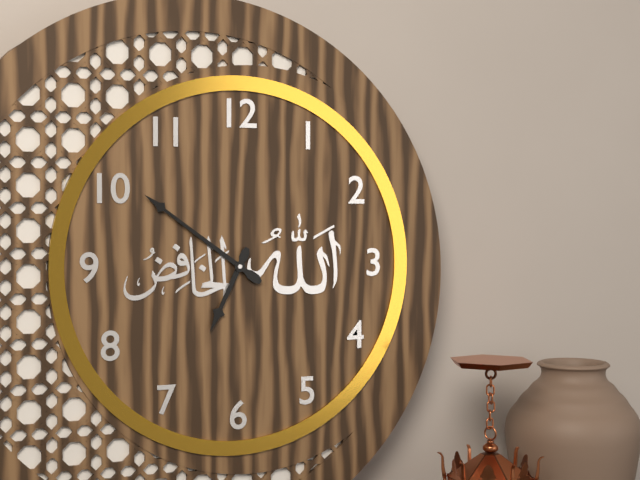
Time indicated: 6:51
